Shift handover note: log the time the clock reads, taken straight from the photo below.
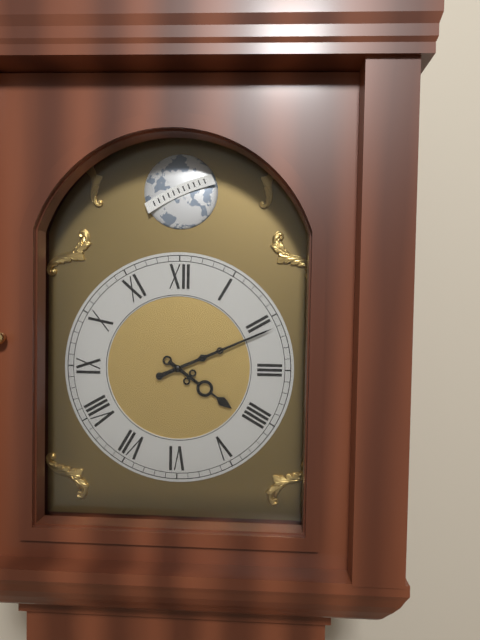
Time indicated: 4:11
